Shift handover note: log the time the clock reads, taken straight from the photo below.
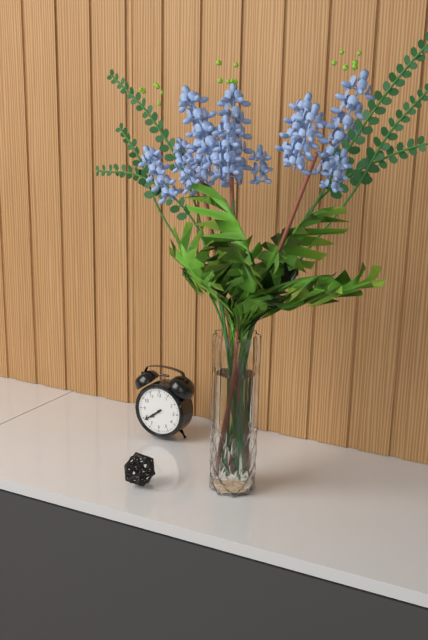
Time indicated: 7:39
